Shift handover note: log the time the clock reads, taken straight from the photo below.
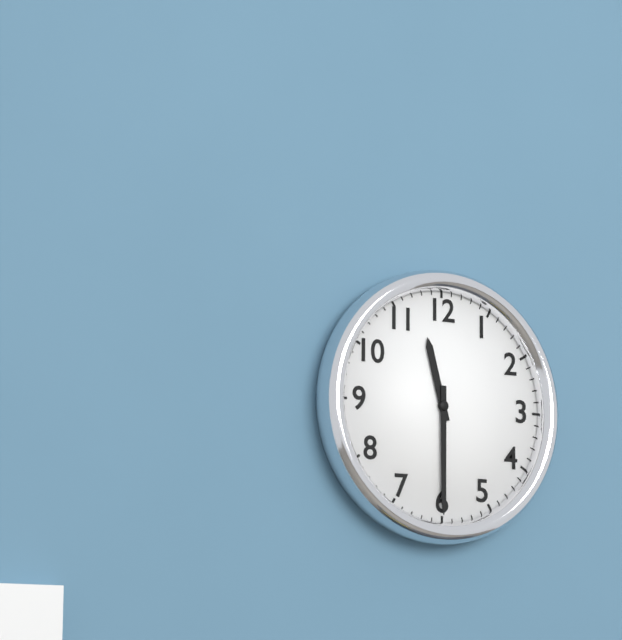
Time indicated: 11:30
